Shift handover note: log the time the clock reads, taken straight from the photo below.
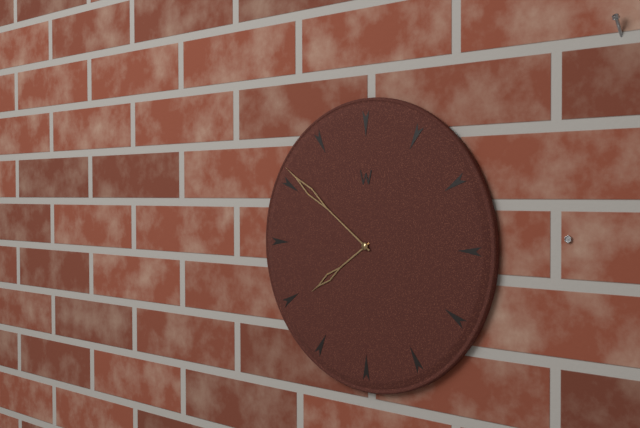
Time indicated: 7:51
